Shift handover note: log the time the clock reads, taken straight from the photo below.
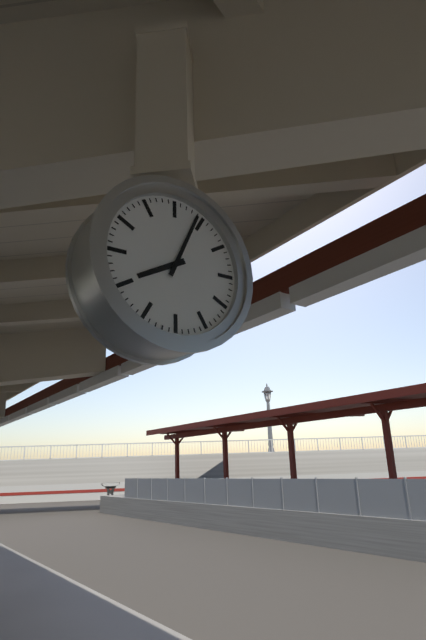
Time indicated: 8:04
